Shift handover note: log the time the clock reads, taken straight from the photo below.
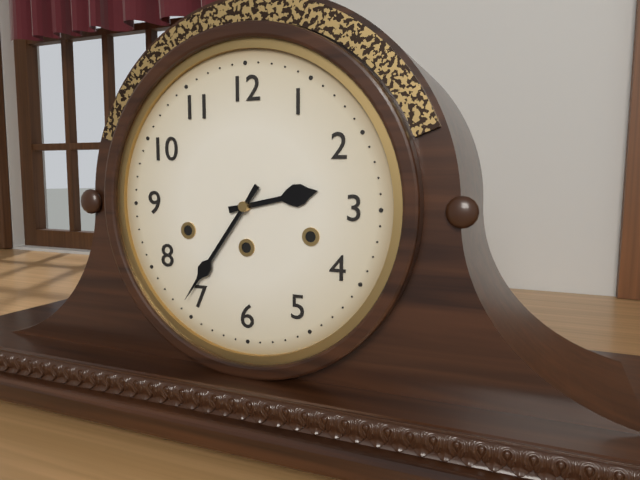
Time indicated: 2:36
